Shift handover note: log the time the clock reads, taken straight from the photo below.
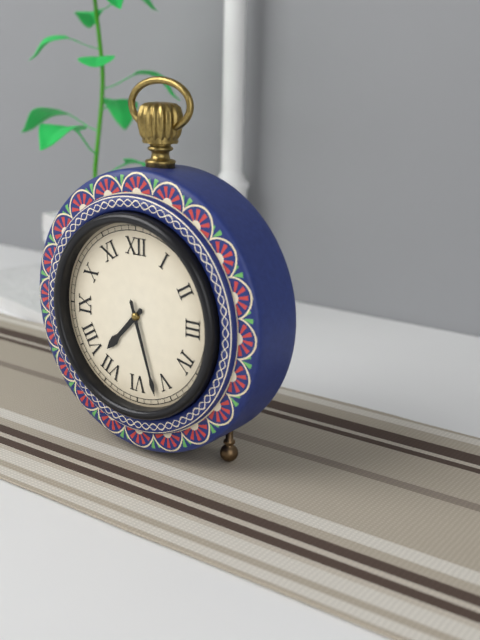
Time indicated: 7:27
